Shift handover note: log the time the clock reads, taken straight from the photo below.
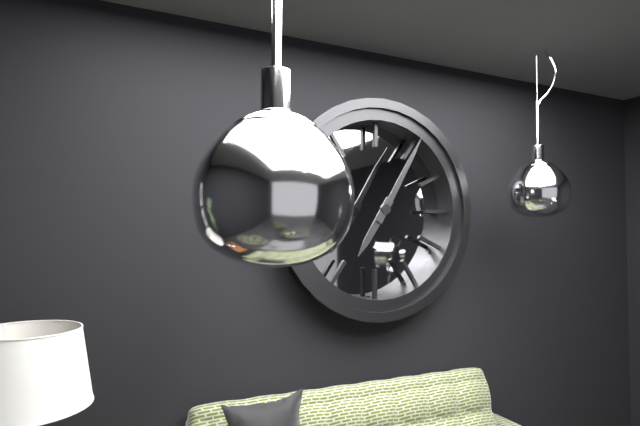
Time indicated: 7:05
